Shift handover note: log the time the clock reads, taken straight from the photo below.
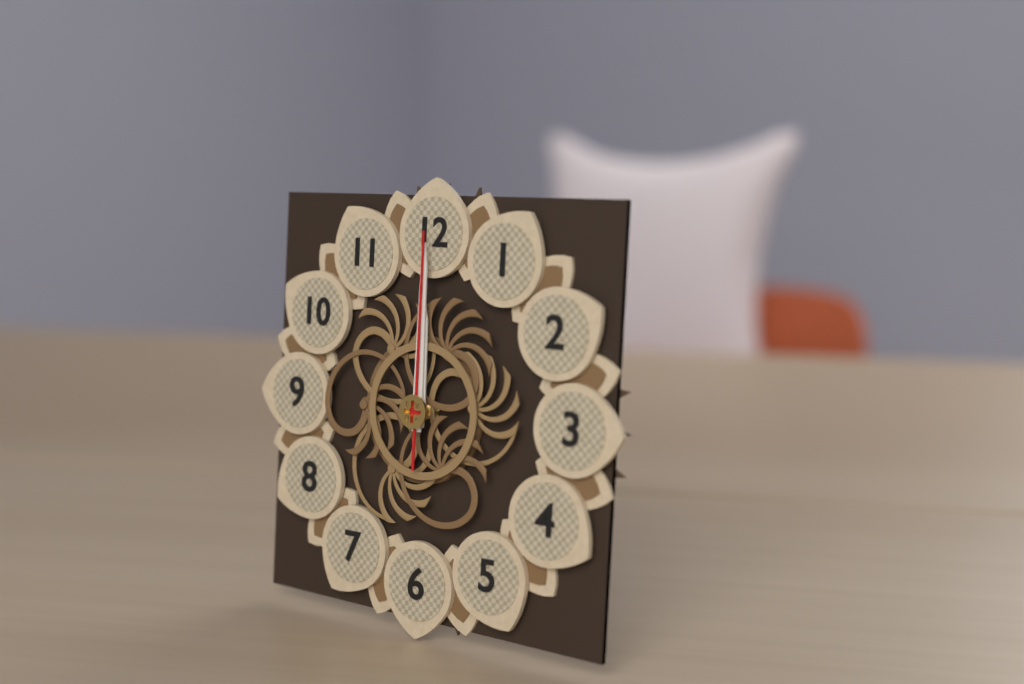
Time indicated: 12:00:00
